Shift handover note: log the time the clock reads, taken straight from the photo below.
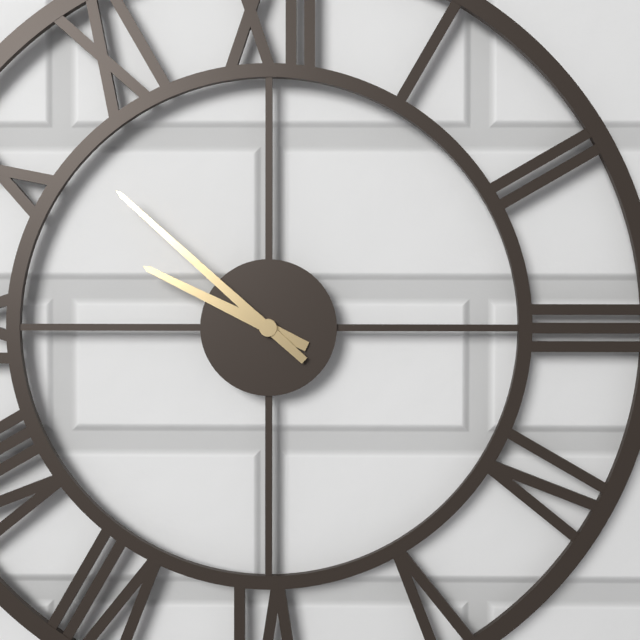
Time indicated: 9:52
